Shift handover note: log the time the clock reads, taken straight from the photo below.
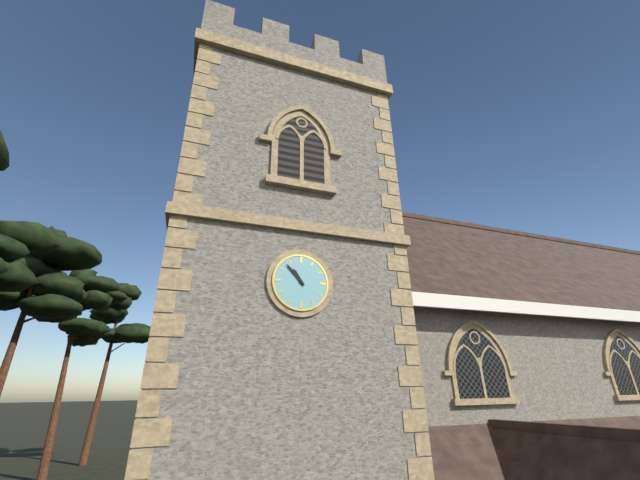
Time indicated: 10:53
